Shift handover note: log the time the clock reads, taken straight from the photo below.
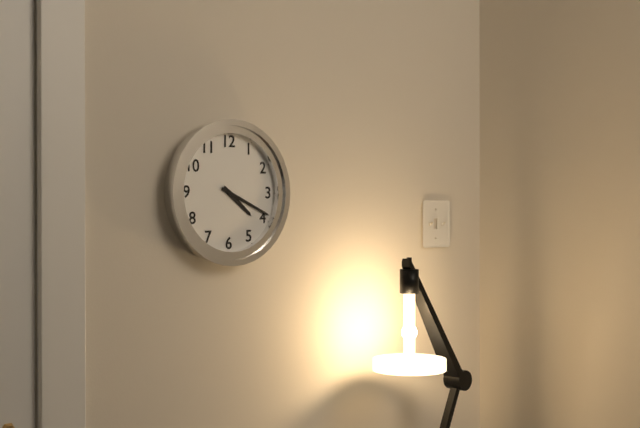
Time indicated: 4:19
